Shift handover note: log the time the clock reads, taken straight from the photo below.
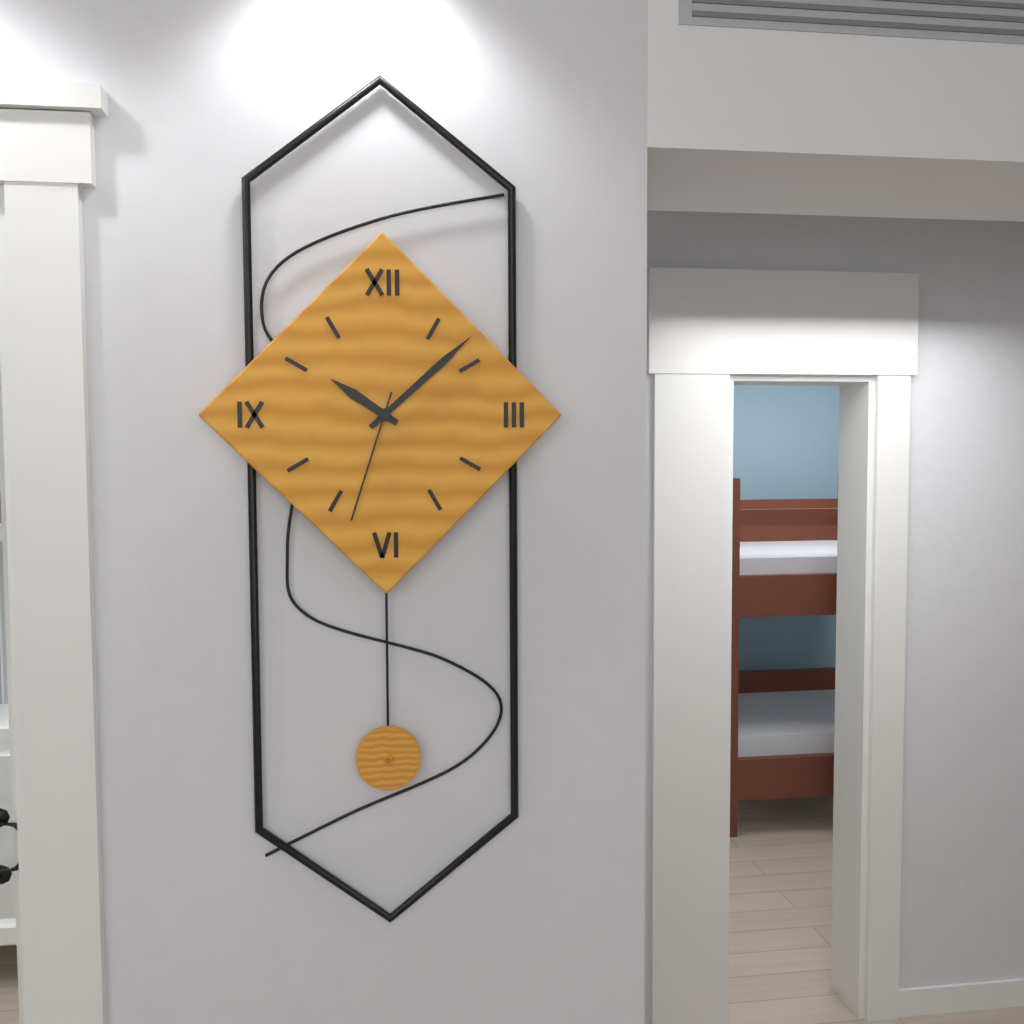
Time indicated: 10:08:33
